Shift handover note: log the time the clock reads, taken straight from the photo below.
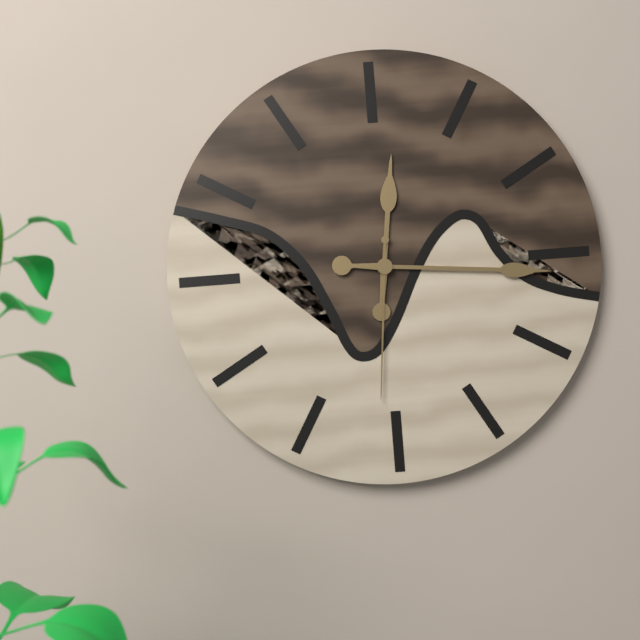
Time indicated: 12:16:31
